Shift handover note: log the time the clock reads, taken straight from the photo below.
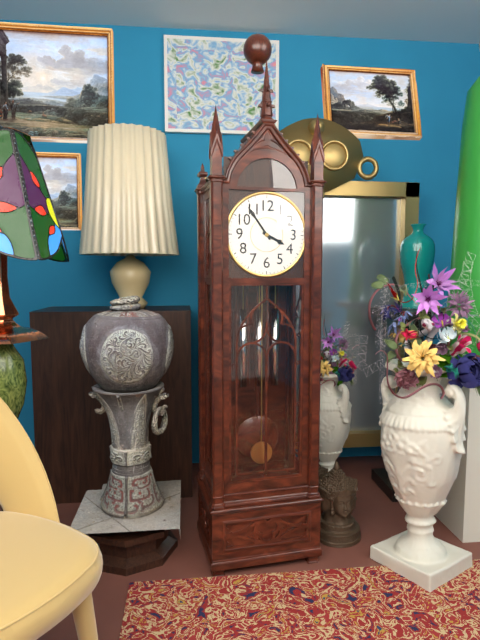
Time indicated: 3:54
